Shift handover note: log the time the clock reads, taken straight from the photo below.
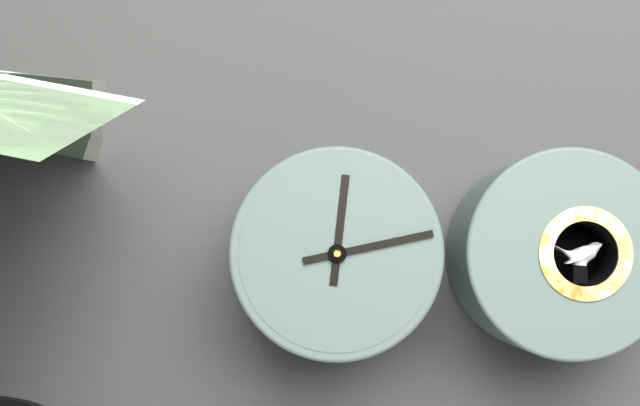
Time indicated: 12:13
